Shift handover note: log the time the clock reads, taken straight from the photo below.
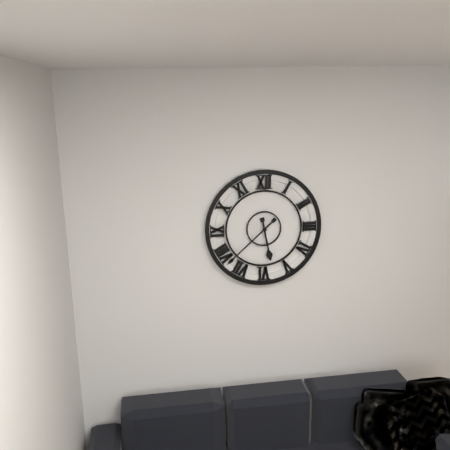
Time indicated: 5:38
